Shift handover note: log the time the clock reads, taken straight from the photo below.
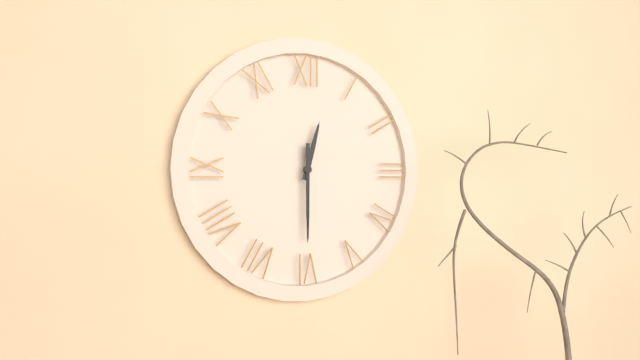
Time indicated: 12:30
